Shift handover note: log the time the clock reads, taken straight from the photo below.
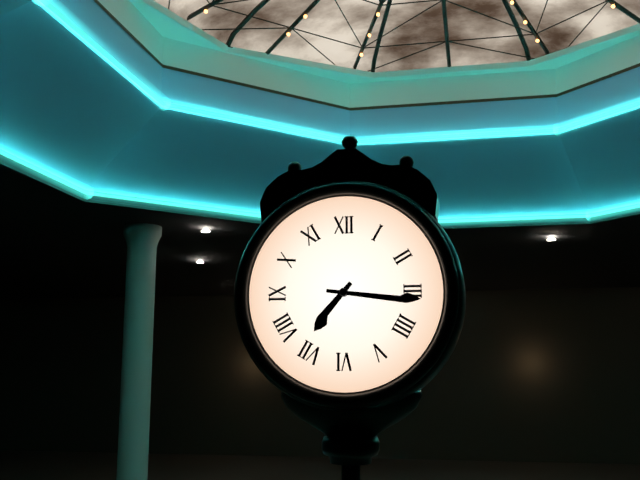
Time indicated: 7:16
